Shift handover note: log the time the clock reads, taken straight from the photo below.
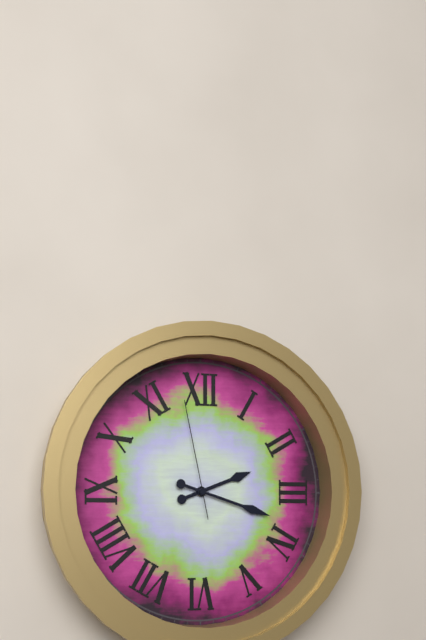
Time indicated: 2:18:58
